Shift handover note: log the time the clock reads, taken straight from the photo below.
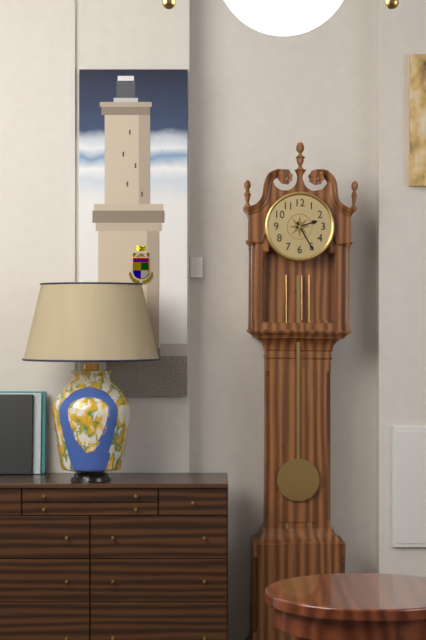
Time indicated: 2:25
